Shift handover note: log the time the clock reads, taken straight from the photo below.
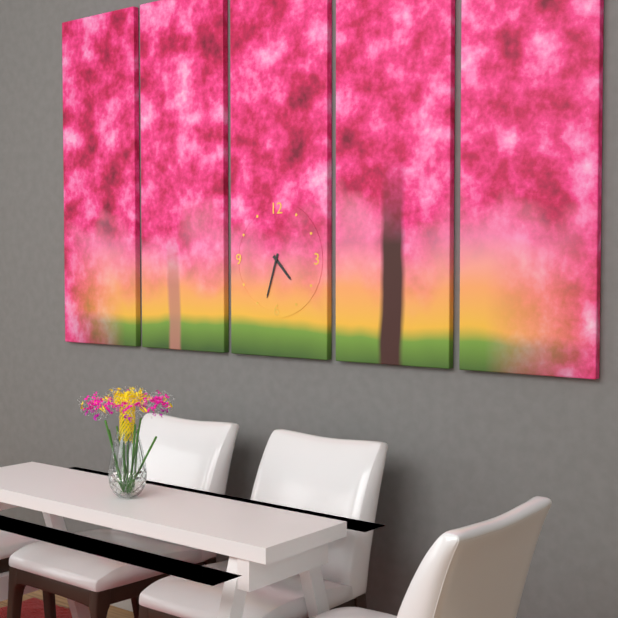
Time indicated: 4:33
